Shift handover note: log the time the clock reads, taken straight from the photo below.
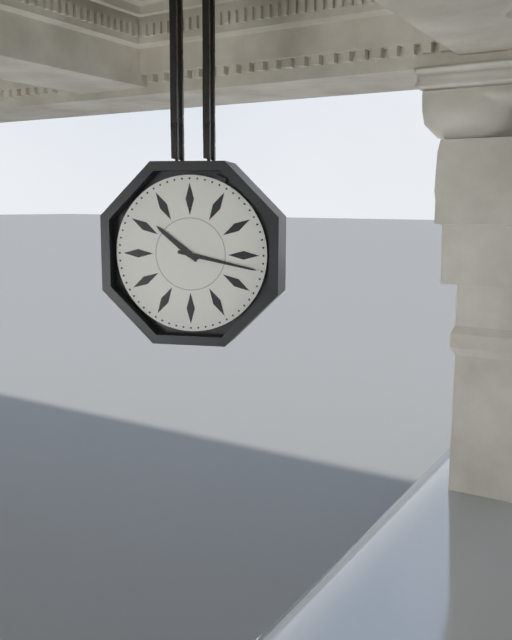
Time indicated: 10:17
